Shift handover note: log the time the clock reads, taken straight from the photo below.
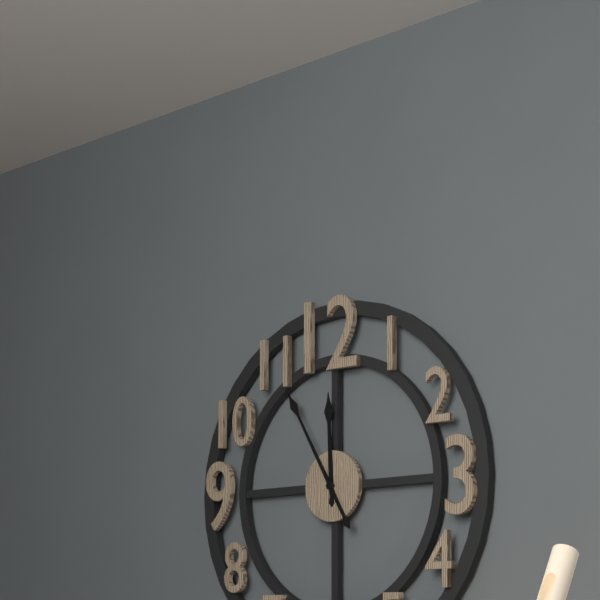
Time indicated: 11:55
